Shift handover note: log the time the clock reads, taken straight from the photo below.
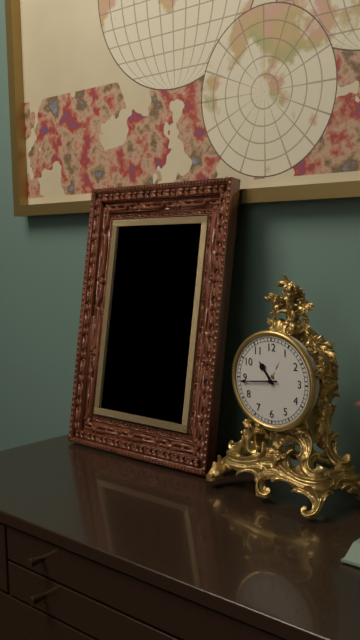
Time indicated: 10:44
